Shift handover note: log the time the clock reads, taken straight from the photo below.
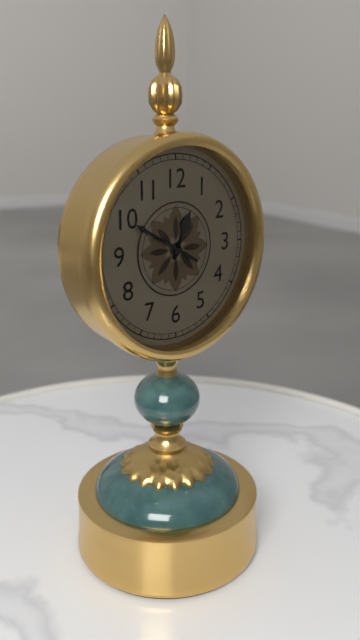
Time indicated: 12:50
